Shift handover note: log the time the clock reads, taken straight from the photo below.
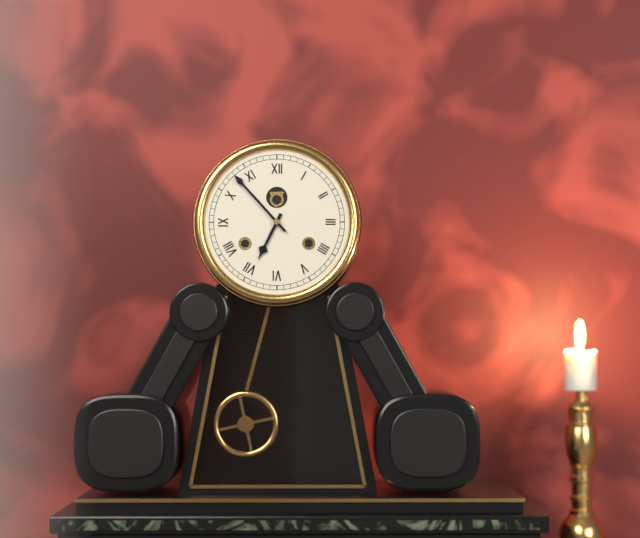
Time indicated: 6:53
